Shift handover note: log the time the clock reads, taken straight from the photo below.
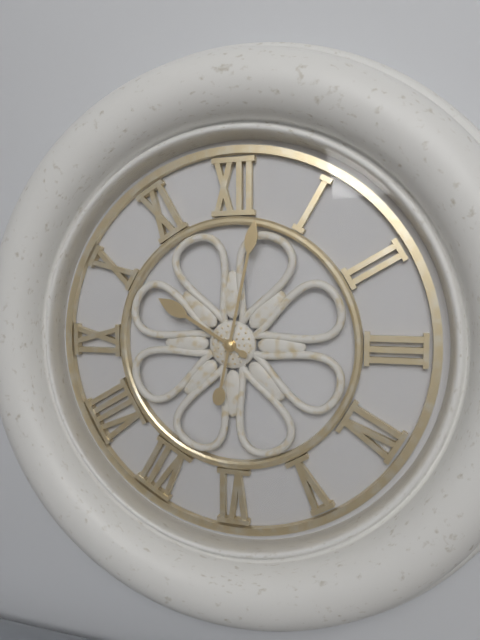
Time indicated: 10:02
